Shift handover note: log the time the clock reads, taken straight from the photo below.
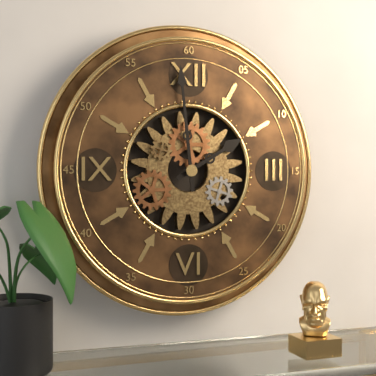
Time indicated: 1:59
